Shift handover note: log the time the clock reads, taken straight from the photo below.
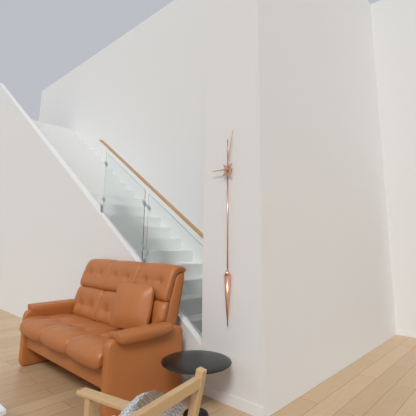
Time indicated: 9:02
